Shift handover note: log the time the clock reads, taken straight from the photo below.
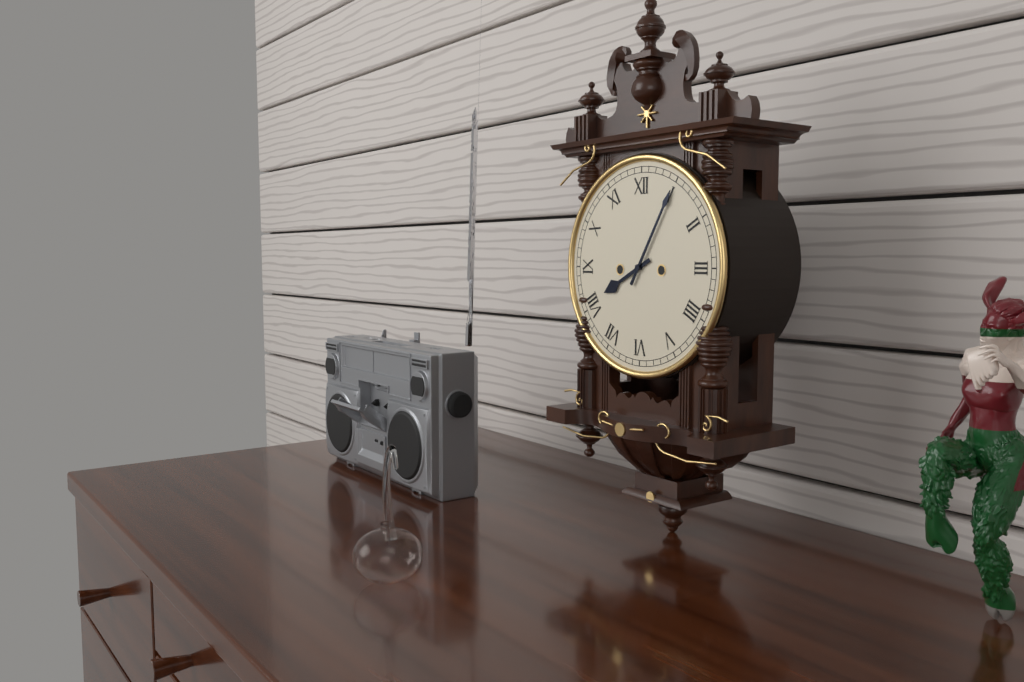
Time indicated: 8:05
